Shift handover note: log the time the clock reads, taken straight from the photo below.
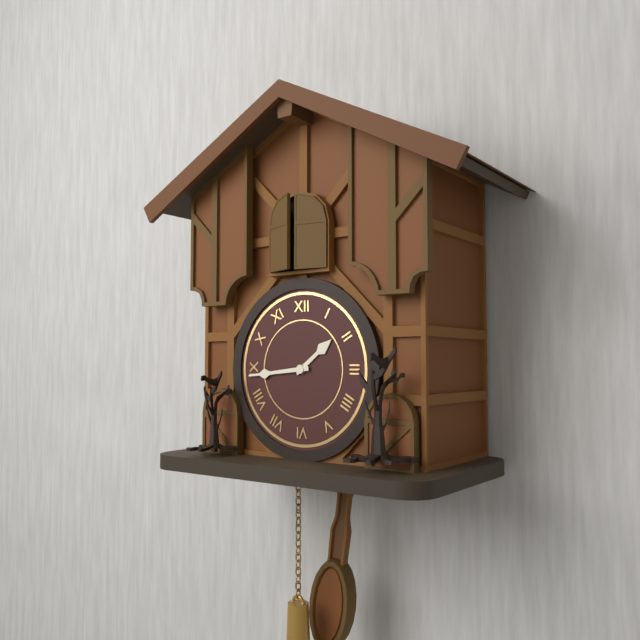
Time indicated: 1:44
